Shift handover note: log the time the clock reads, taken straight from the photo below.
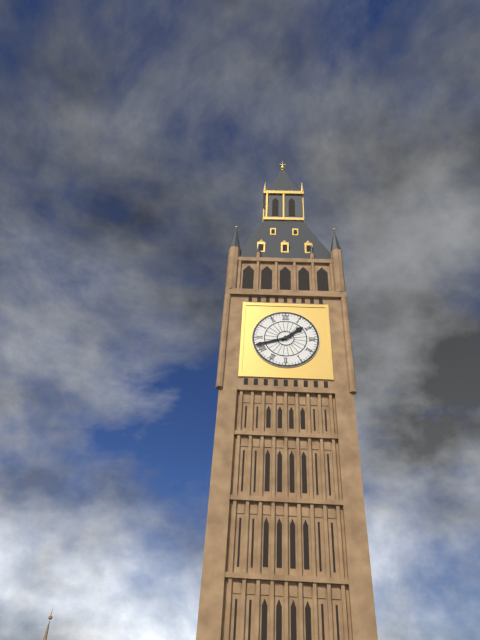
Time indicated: 1:42
